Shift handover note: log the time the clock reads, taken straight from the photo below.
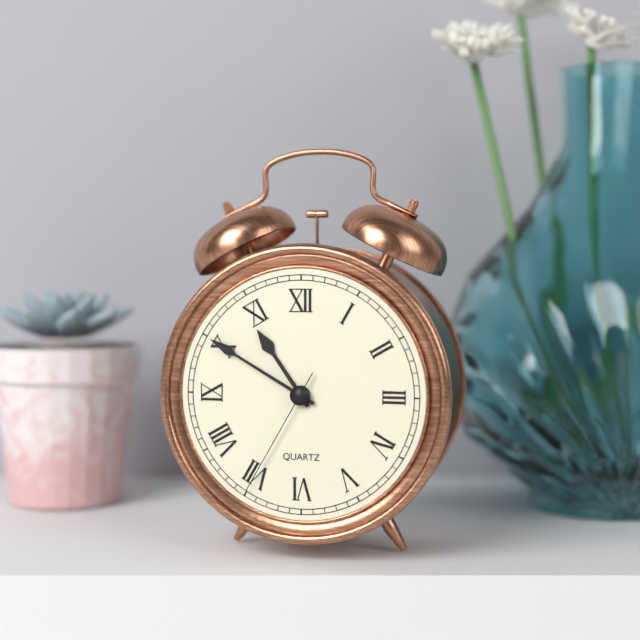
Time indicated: 10:50:35
